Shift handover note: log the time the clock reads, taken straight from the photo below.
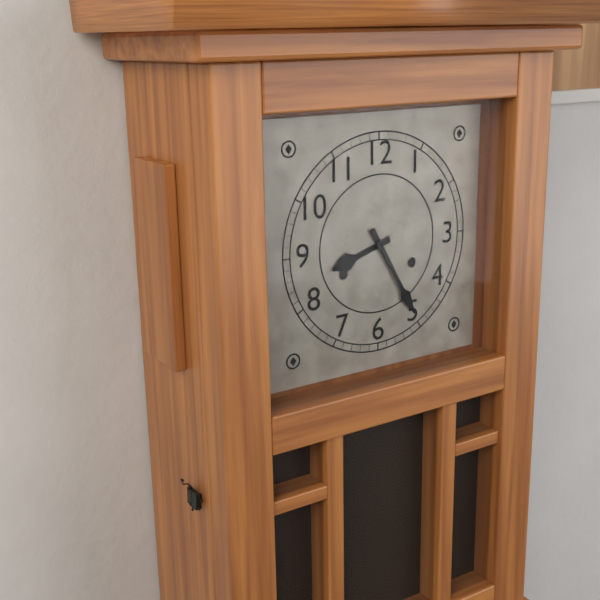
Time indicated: 8:25
